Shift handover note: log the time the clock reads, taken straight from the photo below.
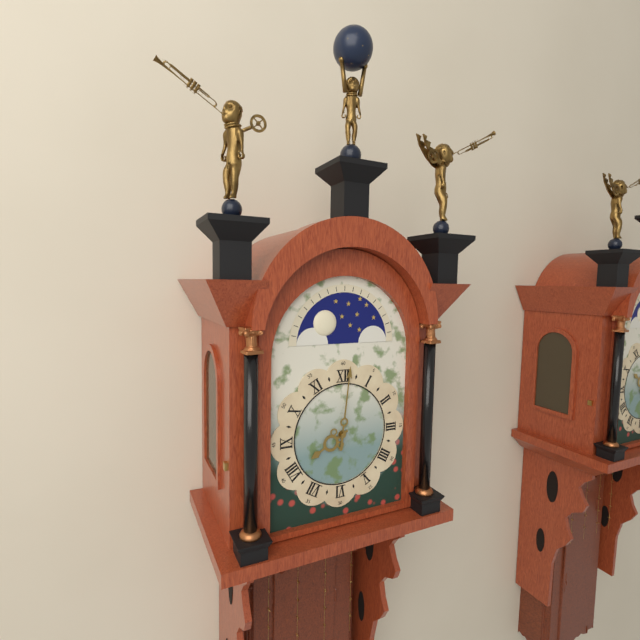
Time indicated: 8:01
